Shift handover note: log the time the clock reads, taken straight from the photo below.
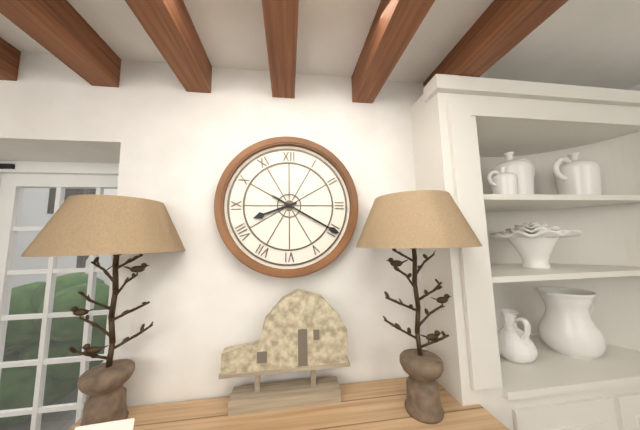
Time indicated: 8:20
